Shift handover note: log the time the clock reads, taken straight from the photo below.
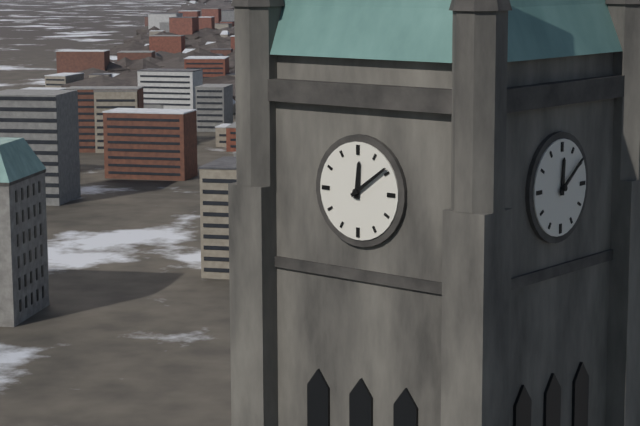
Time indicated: 12:09
